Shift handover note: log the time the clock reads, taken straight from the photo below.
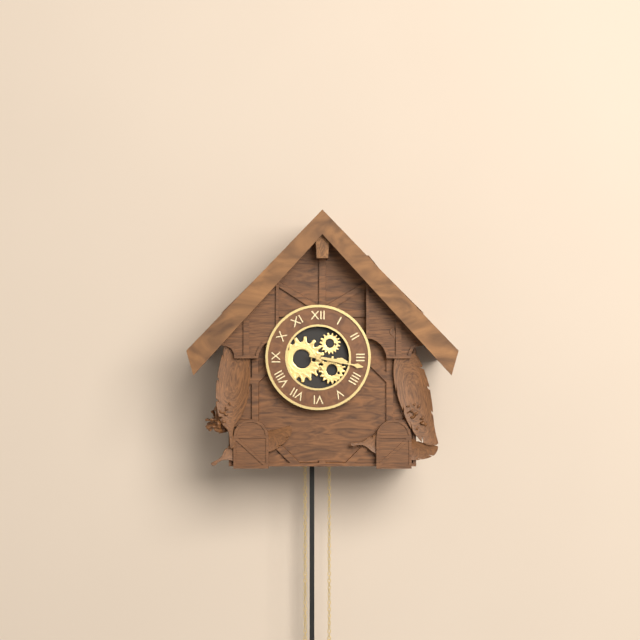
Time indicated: 3:17
